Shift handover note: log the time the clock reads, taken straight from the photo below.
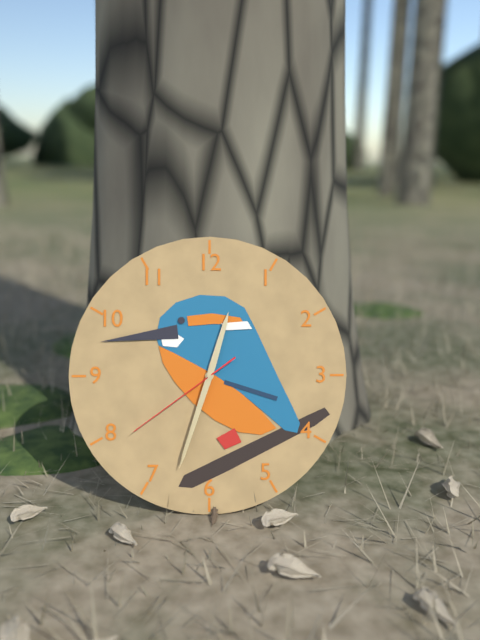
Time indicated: 12:33:39
